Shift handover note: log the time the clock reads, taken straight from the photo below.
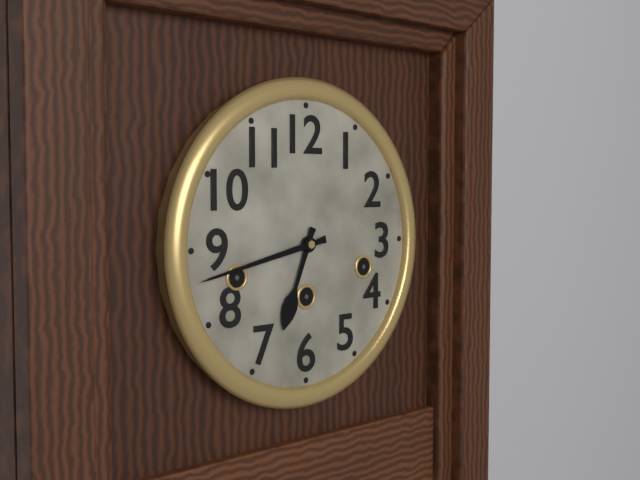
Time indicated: 6:43
